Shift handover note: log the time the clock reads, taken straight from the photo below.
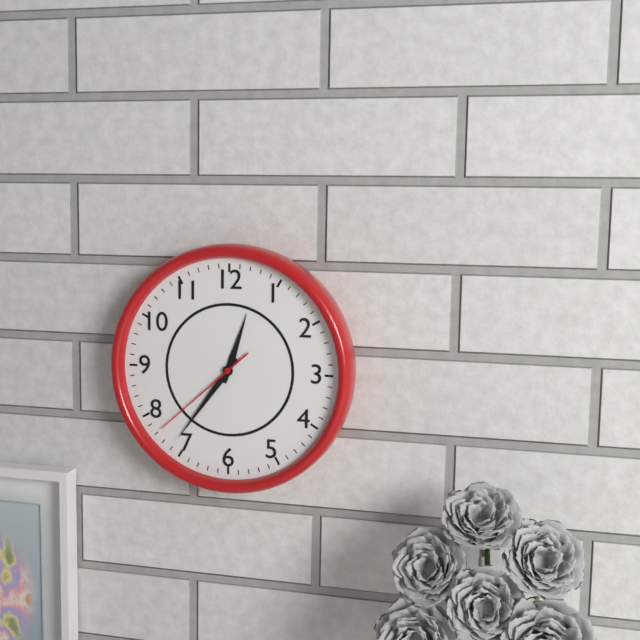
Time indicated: 12:36:38
